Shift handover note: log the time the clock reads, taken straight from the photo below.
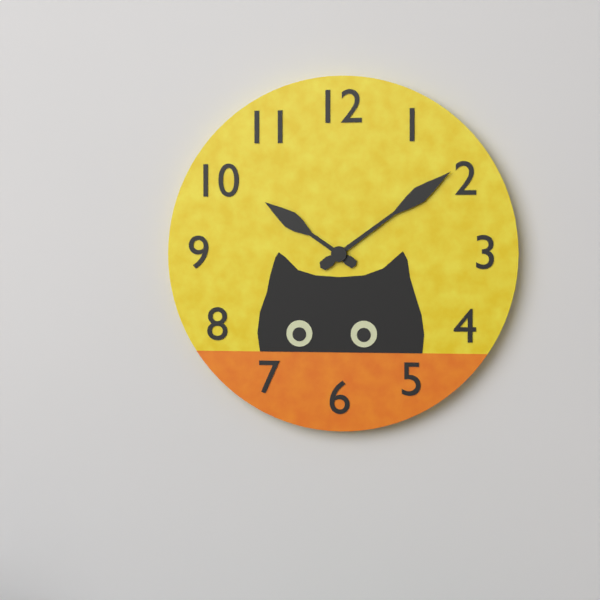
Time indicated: 10:09
